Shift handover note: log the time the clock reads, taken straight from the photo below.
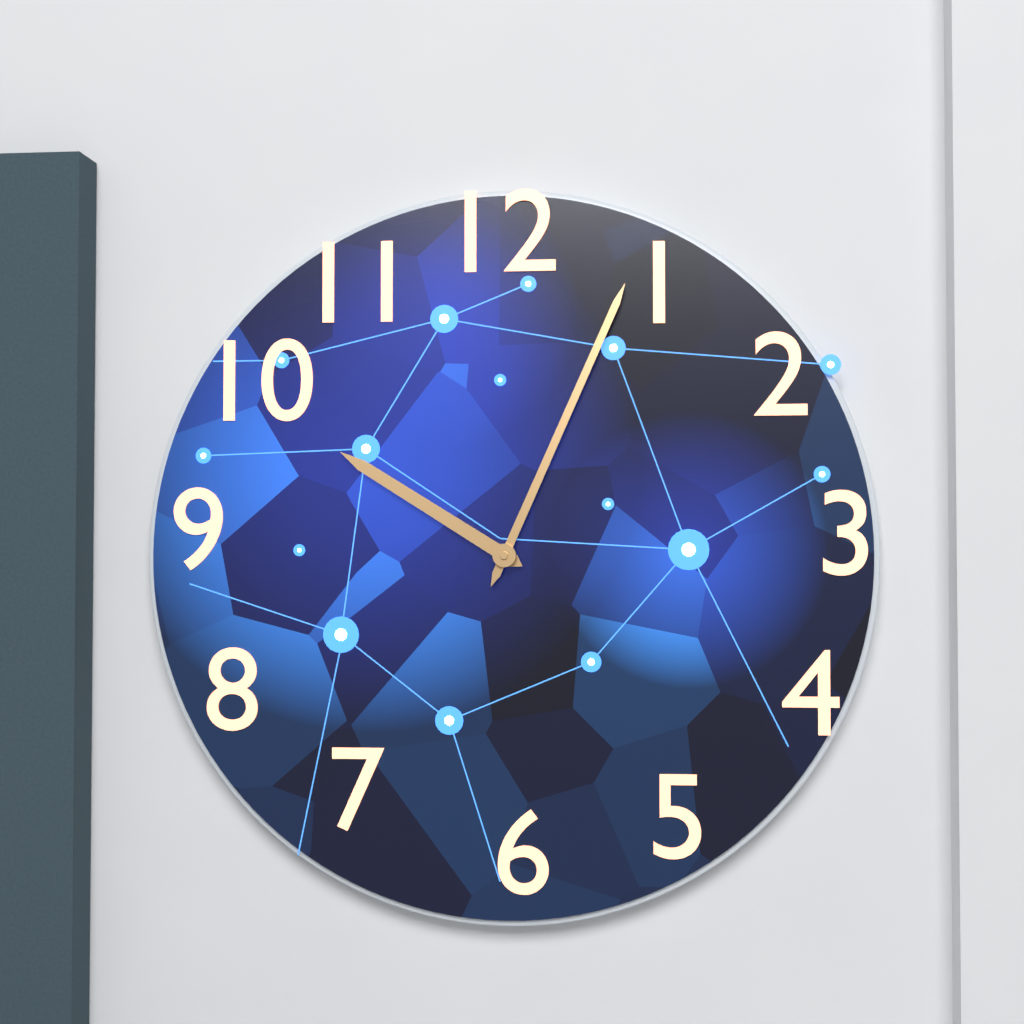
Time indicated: 10:04
